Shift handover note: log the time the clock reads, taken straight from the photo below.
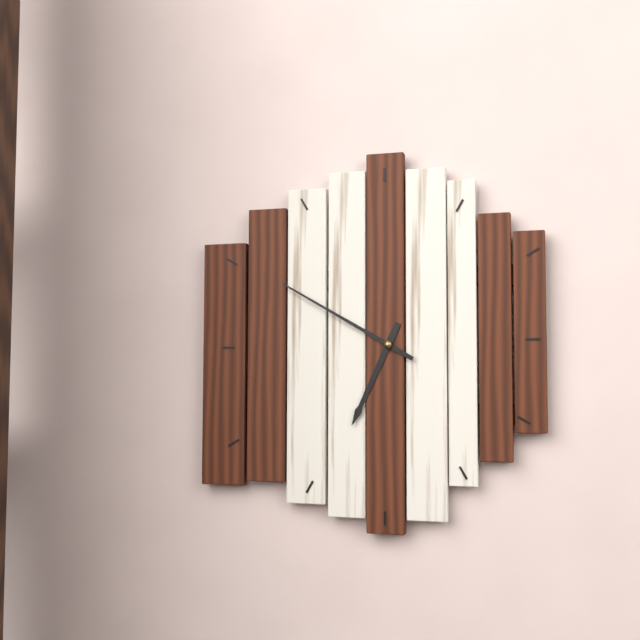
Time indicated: 6:50
